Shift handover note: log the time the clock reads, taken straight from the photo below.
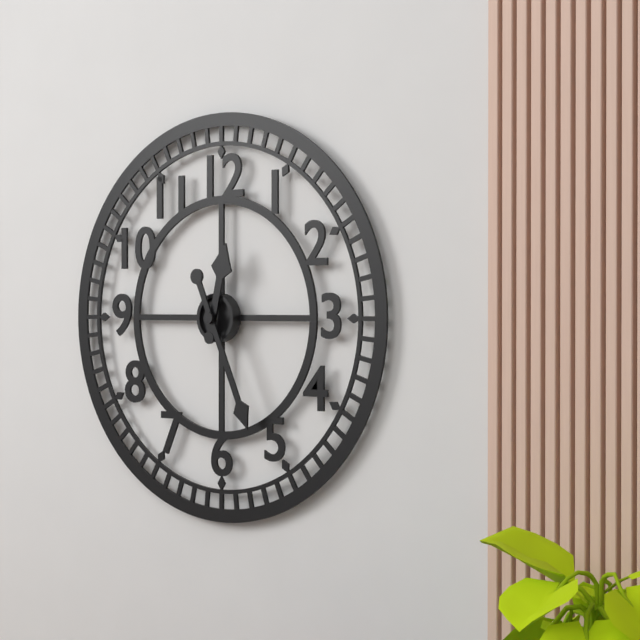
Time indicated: 12:26
